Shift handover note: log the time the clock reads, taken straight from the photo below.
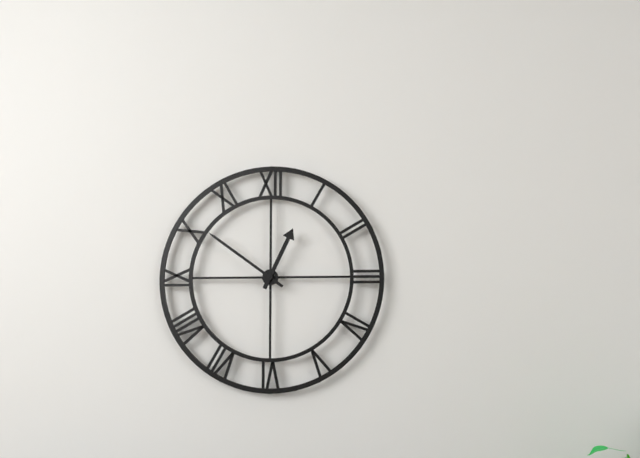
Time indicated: 12:51
